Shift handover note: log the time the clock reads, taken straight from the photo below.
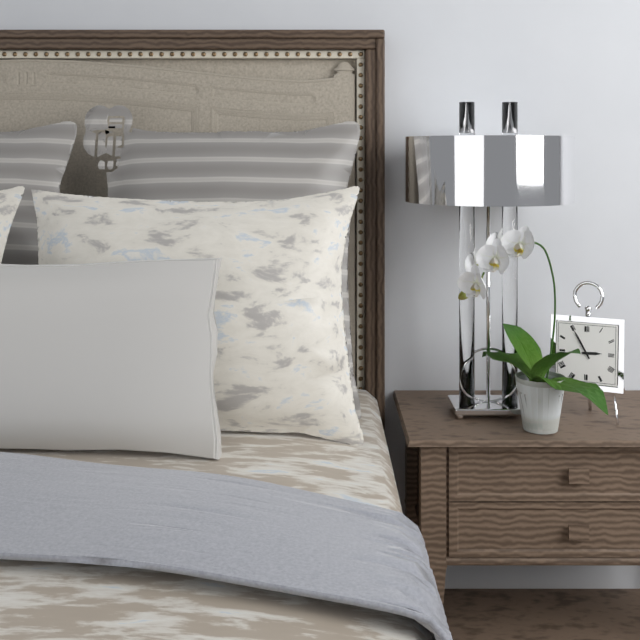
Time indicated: 2:55
